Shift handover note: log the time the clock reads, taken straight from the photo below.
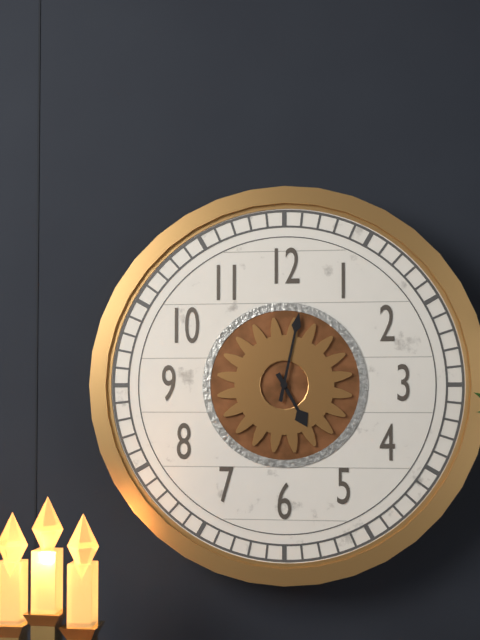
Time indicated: 5:02
